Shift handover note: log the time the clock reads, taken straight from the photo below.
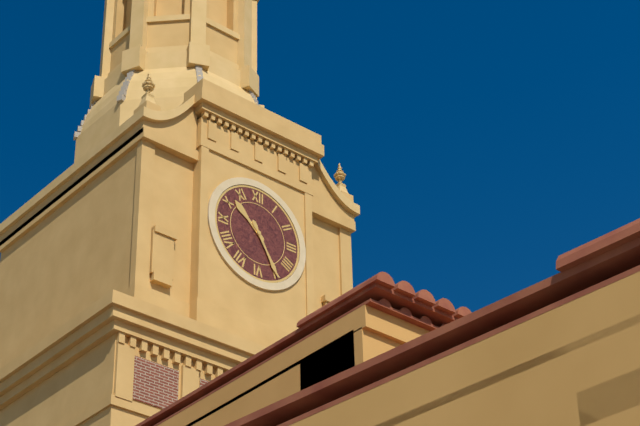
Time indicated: 10:25
